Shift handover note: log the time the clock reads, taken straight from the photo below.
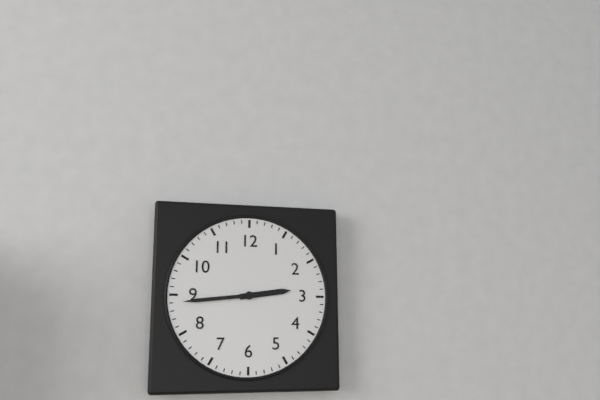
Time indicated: 2:44
